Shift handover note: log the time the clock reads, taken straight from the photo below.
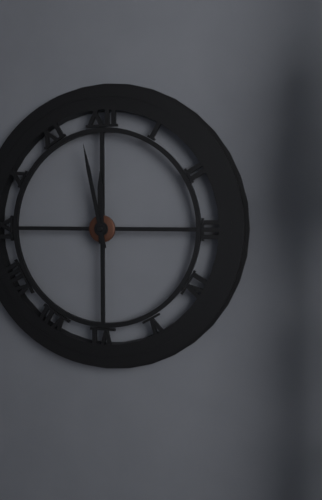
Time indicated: 11:58
